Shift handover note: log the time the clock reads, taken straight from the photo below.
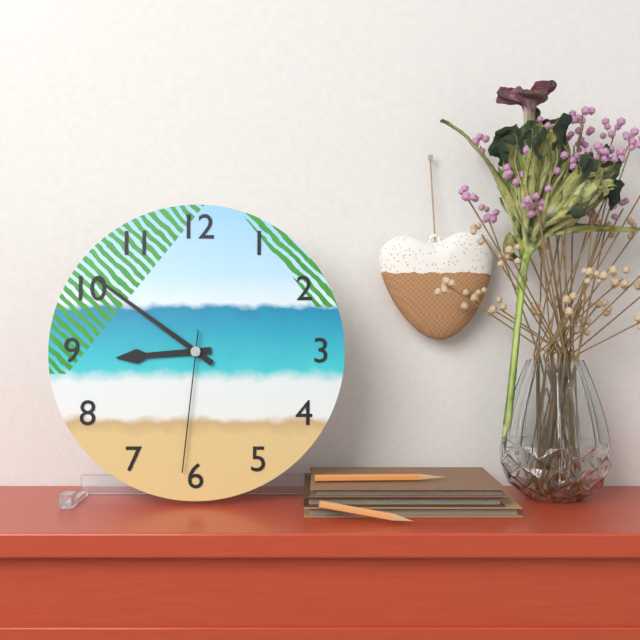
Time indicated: 8:51:31
